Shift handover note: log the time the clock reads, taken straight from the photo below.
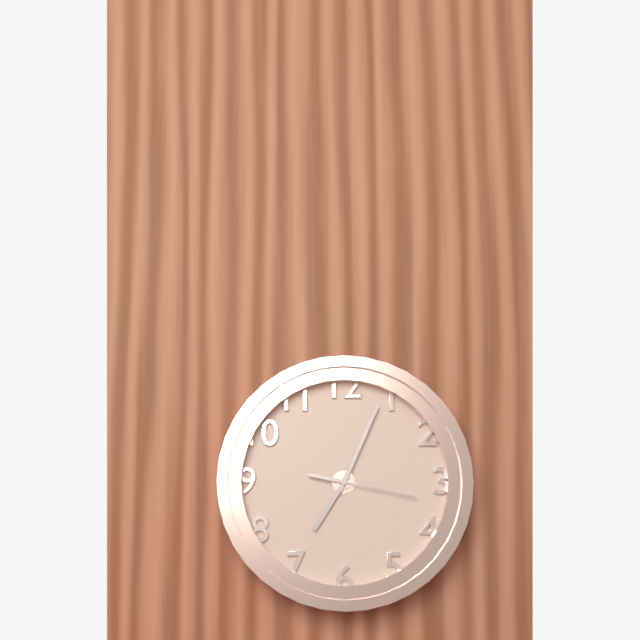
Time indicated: 7:04:17
